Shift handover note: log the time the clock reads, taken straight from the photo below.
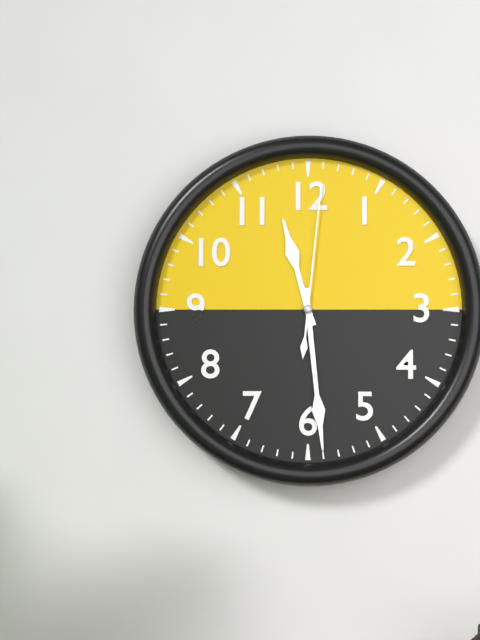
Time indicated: 11:29:01
